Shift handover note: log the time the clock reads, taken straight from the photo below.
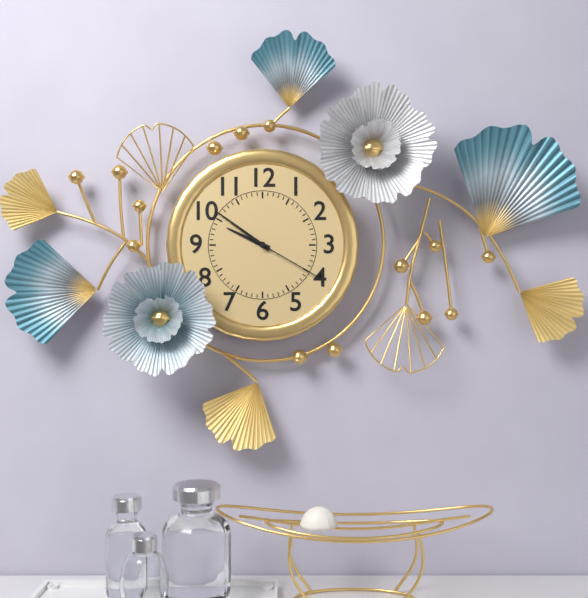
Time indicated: 9:51:20
